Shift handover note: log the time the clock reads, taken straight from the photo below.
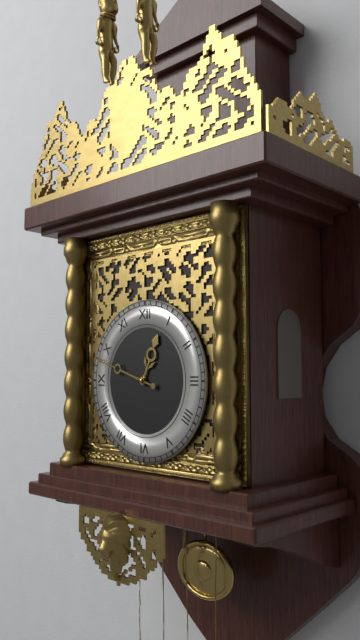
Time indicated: 12:48
